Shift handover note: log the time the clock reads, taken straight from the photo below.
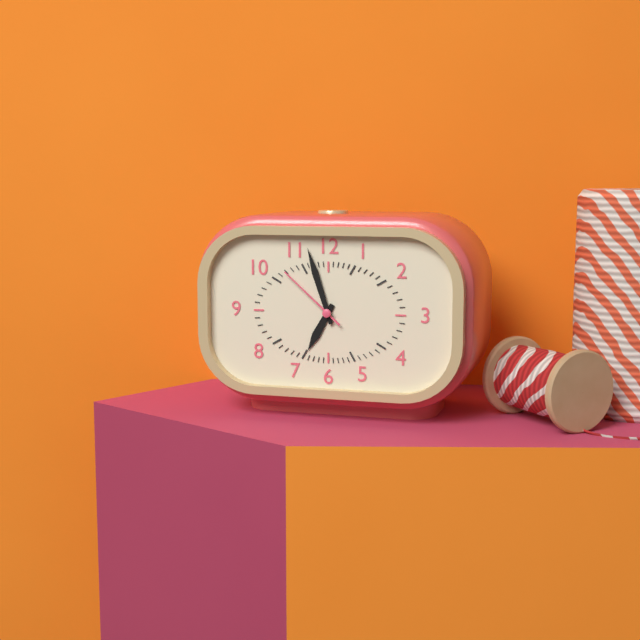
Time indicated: 6:57:52
